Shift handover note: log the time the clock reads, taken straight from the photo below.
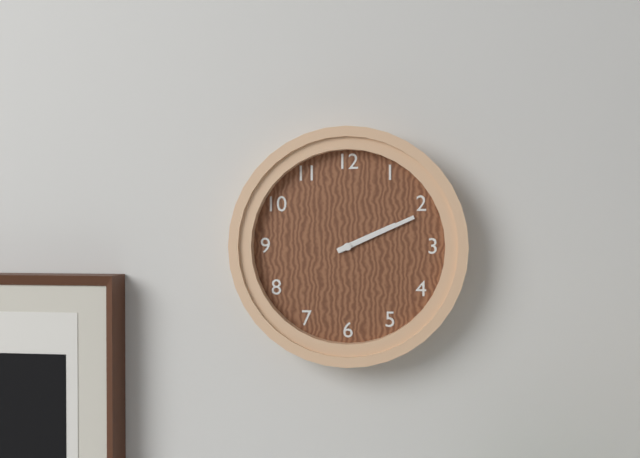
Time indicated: 2:11
